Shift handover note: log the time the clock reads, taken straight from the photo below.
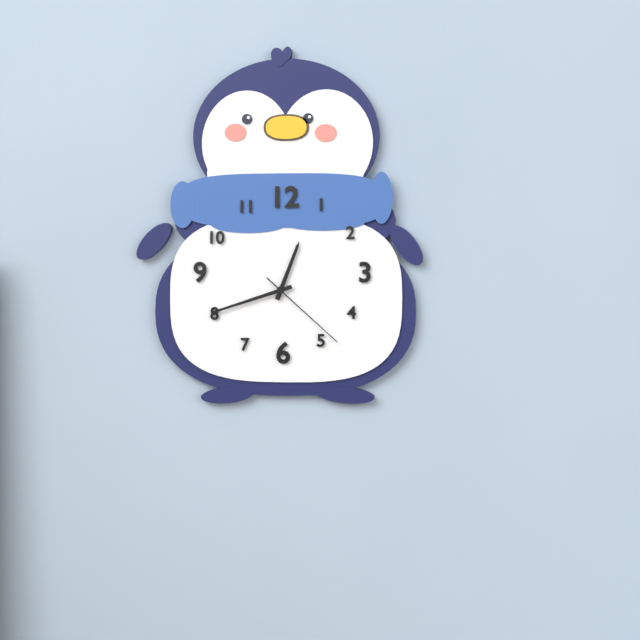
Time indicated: 12:42:22
